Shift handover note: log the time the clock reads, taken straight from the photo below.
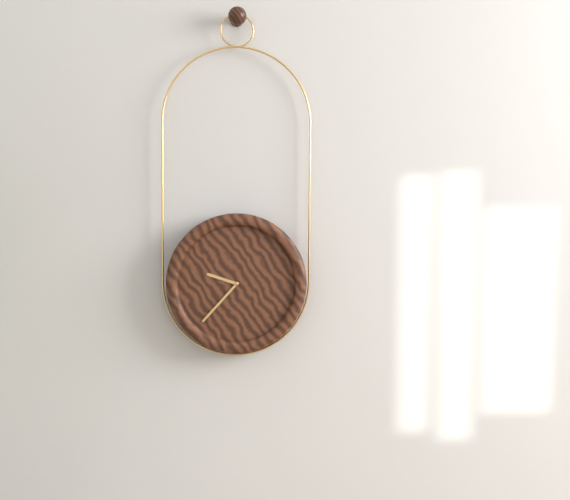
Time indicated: 9:37
